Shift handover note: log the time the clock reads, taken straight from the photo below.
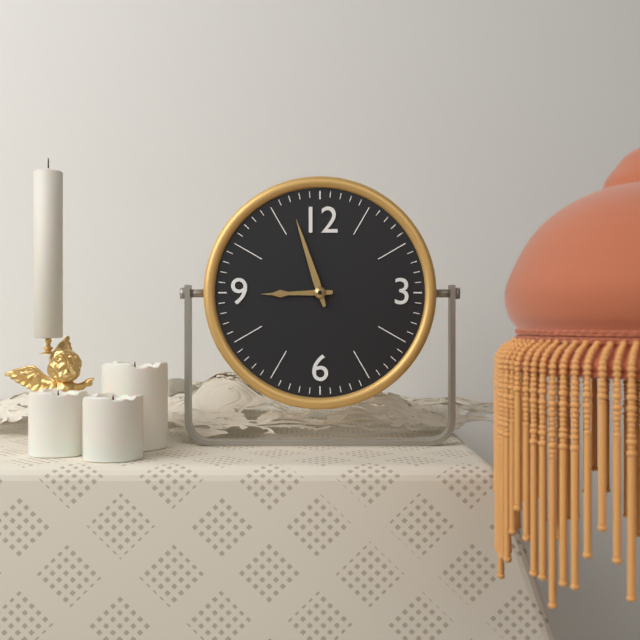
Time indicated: 8:57
